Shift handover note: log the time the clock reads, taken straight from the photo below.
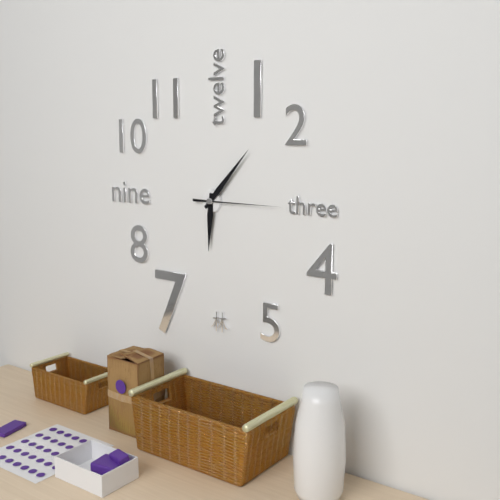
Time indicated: 6:07:15
